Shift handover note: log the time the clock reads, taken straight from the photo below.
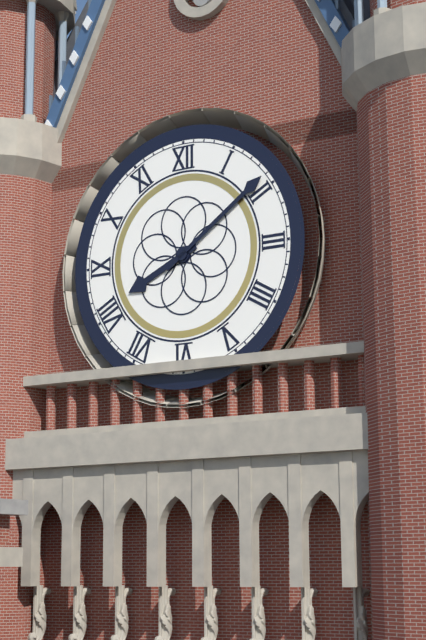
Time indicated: 8:09
